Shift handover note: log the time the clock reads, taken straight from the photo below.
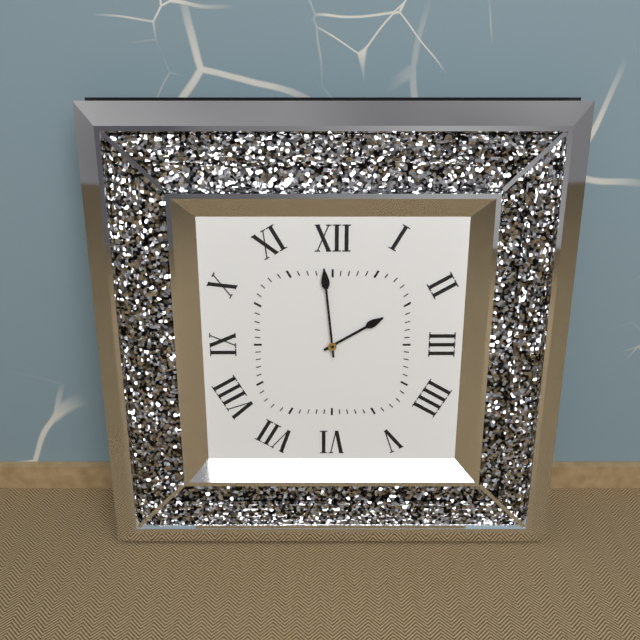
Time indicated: 1:59
